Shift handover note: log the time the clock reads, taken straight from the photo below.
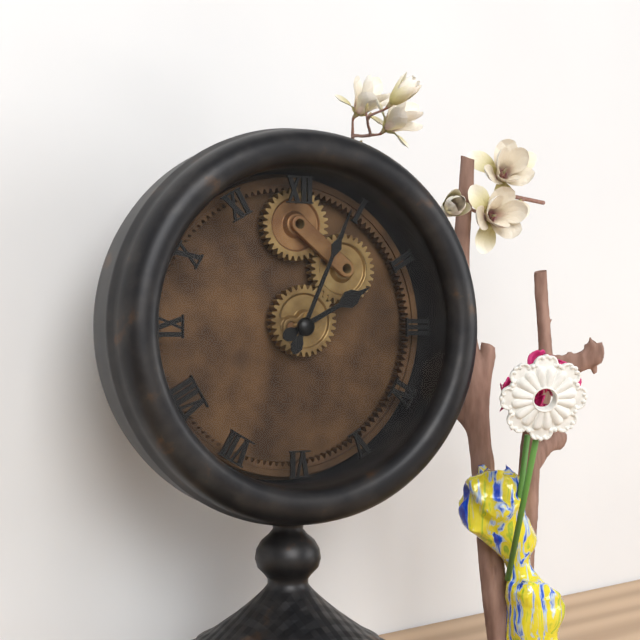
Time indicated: 2:04
